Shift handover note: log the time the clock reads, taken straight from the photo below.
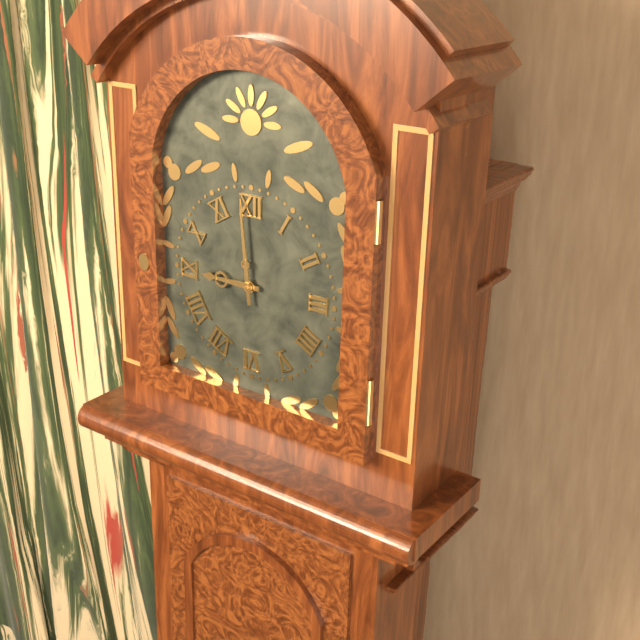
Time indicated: 8:59
